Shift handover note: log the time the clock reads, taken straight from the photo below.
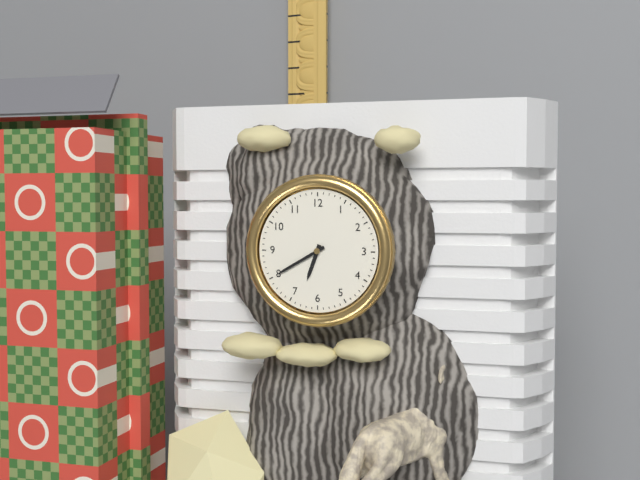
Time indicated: 6:40
